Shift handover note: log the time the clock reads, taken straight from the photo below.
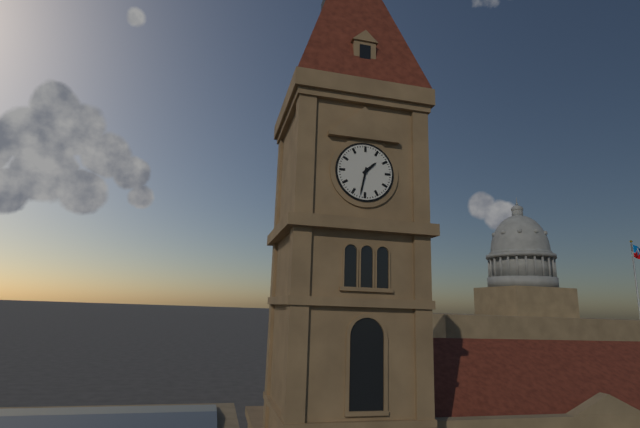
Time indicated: 1:32
